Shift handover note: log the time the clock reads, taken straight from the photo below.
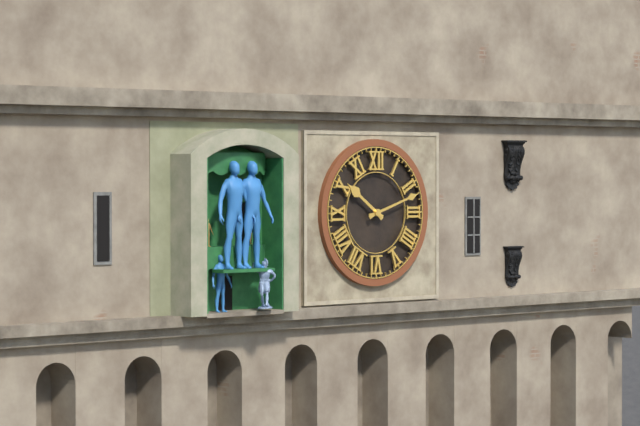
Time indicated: 10:12
